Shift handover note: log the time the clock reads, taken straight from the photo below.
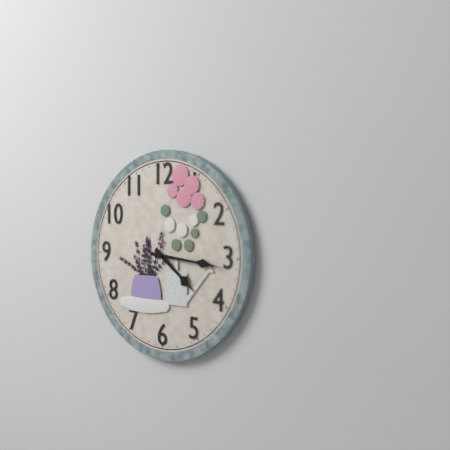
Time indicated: 4:16
